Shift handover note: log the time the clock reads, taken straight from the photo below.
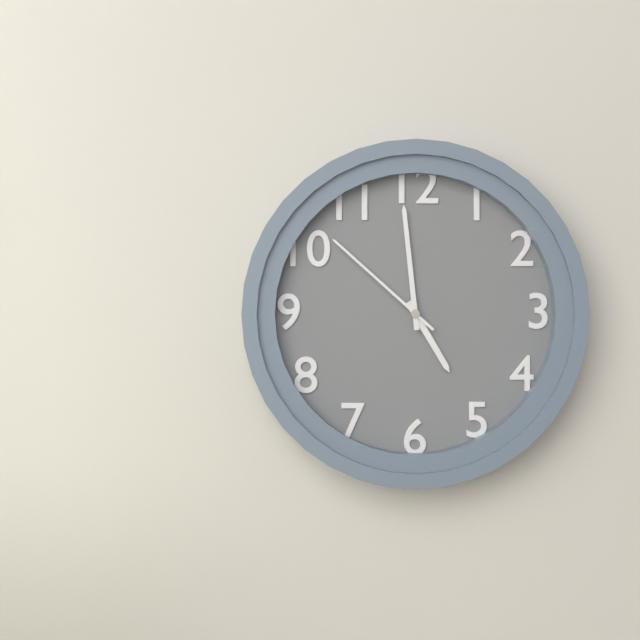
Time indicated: 4:59:52
